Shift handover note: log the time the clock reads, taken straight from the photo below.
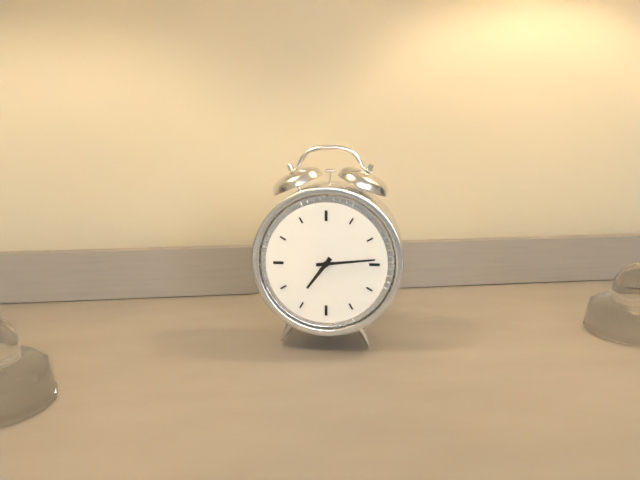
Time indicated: 7:14
